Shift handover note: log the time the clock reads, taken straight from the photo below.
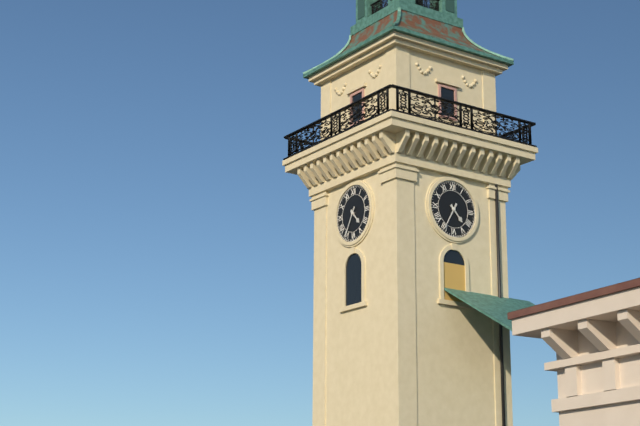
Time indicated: 4:35
